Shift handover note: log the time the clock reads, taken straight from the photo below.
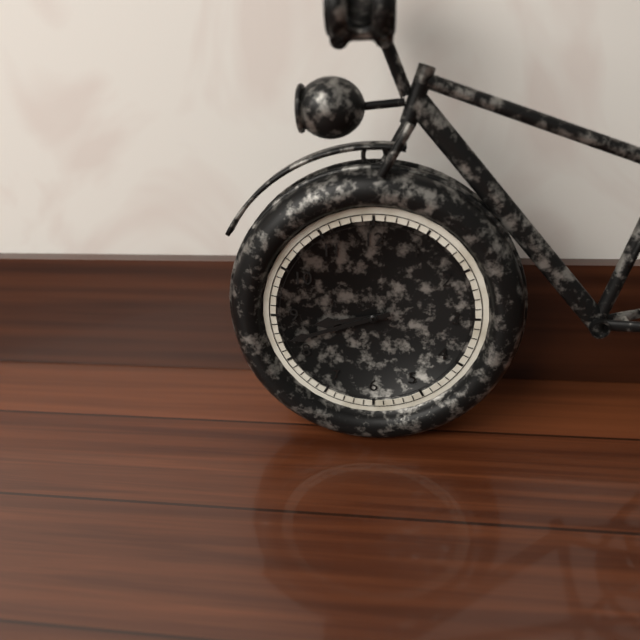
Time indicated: 8:42
